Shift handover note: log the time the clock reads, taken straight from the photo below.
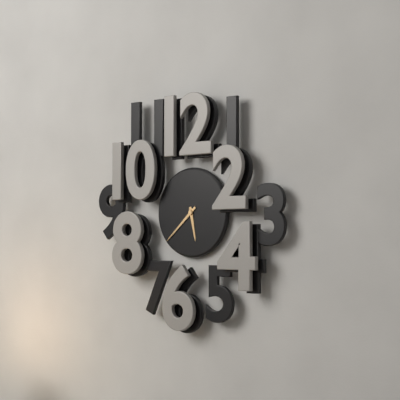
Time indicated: 5:38
